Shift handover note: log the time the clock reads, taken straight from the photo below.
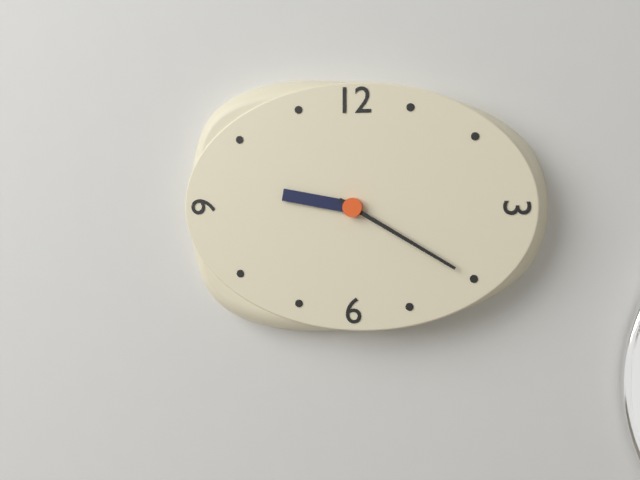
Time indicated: 9:20
